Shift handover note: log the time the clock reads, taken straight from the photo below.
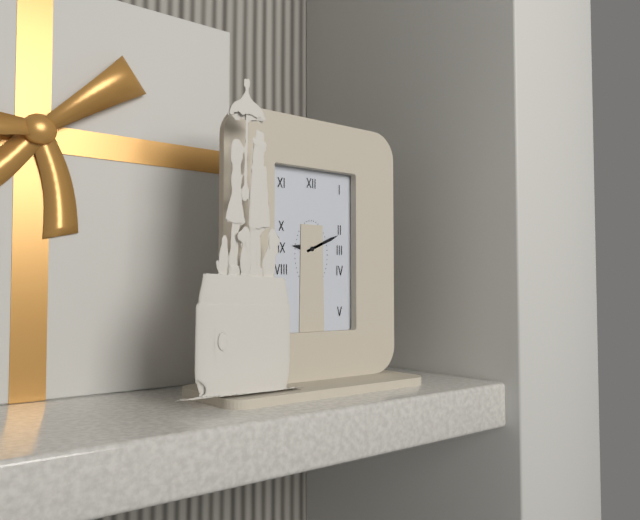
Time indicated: 9:11
